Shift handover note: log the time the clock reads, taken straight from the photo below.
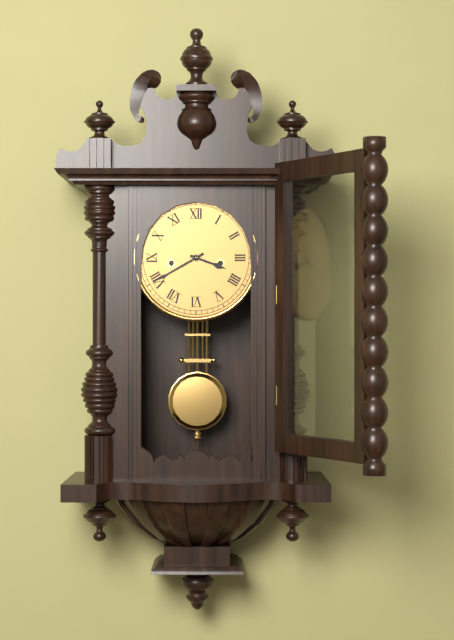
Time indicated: 3:40
